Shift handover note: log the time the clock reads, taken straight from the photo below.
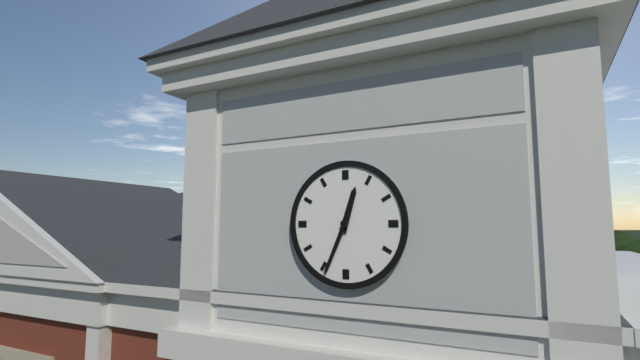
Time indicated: 12:34
